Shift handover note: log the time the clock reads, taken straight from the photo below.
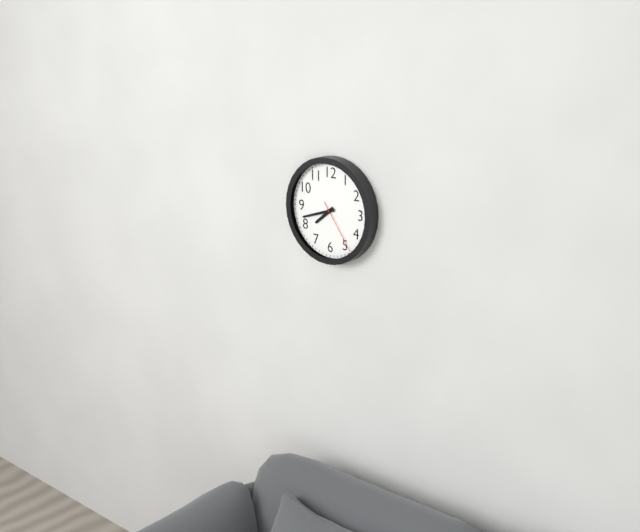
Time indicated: 7:42:24
